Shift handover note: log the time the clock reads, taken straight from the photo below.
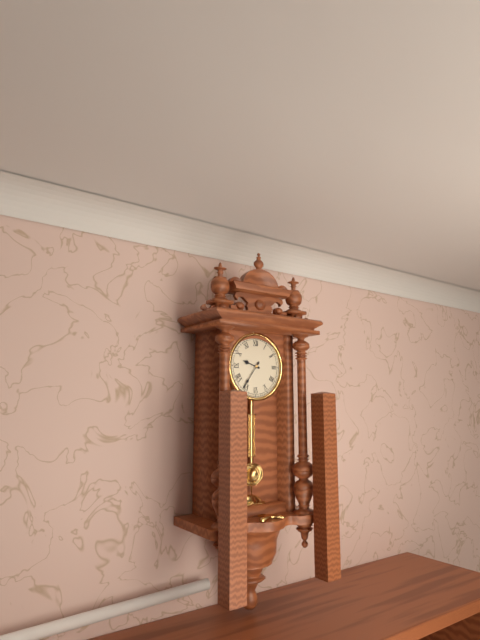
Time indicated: 9:36
